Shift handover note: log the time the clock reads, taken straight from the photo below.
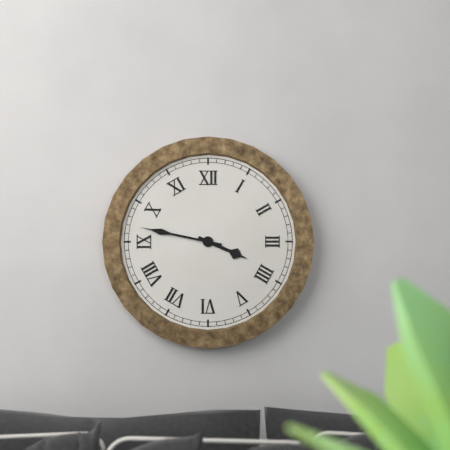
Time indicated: 3:47
